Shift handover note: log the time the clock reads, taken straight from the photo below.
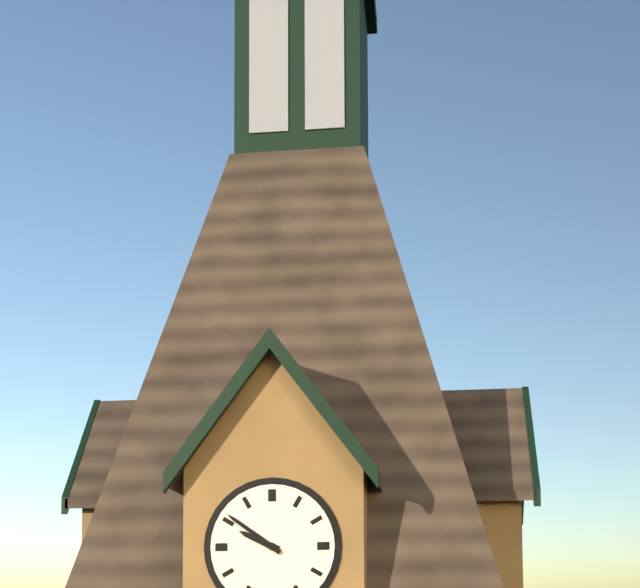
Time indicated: 9:51
